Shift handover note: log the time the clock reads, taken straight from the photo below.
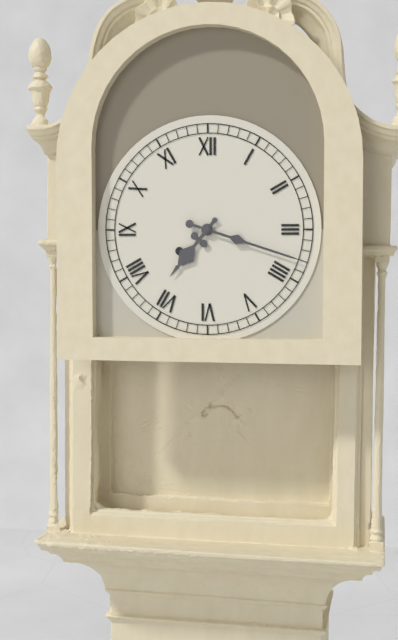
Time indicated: 7:18
